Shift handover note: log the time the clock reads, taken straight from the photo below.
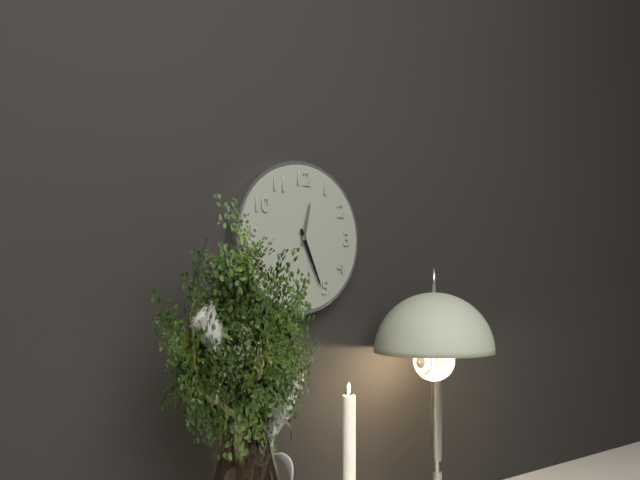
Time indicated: 12:26
